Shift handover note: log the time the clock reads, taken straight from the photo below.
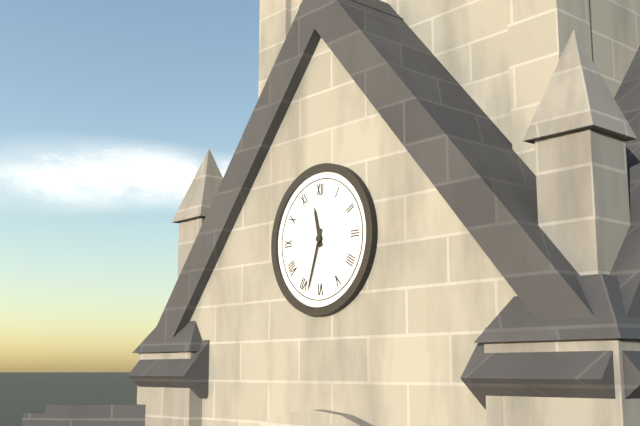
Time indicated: 11:33
